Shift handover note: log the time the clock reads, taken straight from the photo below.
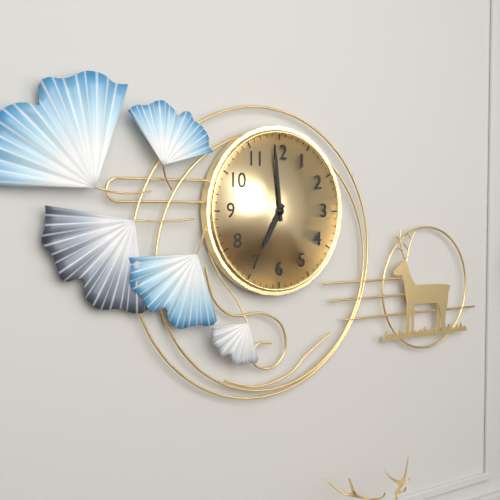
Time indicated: 6:59
